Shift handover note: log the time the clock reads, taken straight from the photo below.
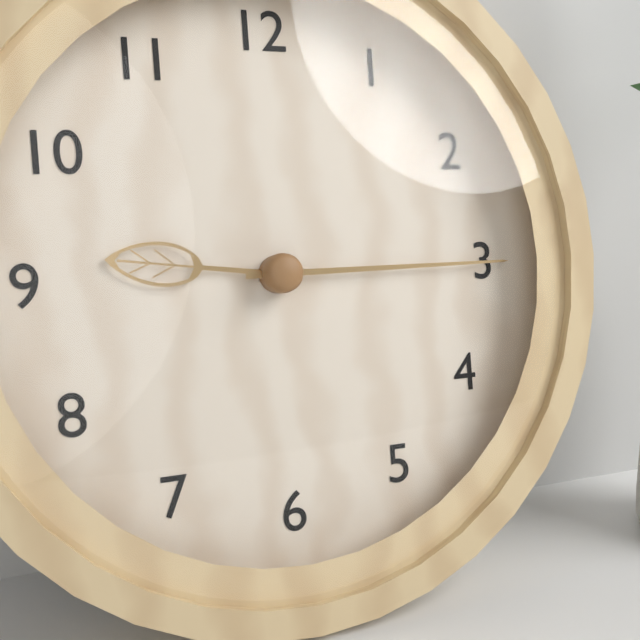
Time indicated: 9:15
